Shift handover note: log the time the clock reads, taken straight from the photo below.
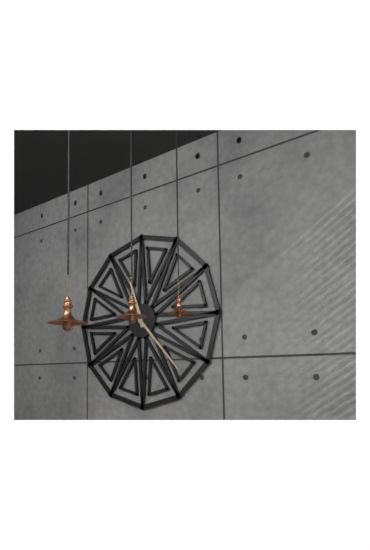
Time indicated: 11:23
